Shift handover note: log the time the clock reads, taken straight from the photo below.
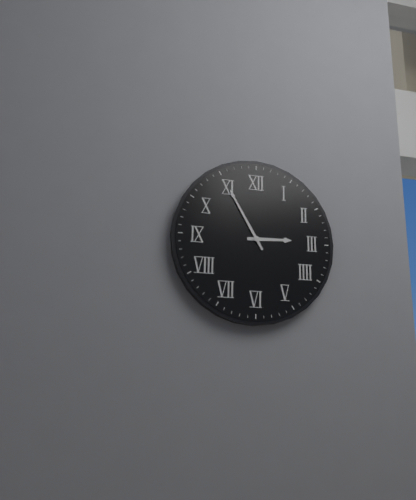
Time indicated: 2:55
